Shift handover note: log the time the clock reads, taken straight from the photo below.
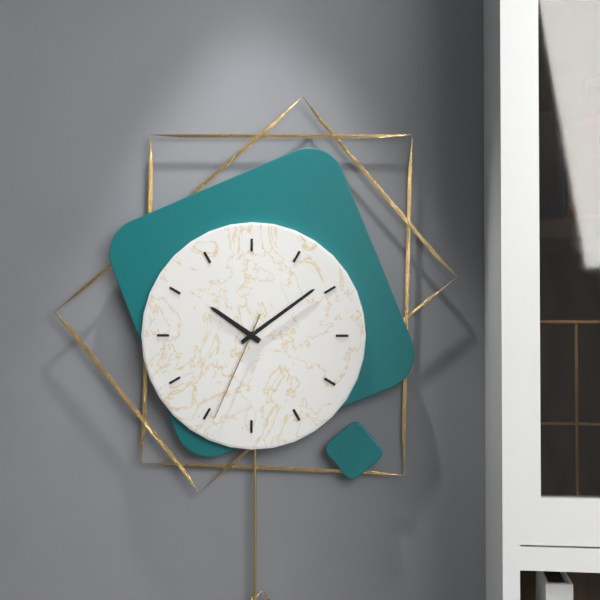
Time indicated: 10:09:34
